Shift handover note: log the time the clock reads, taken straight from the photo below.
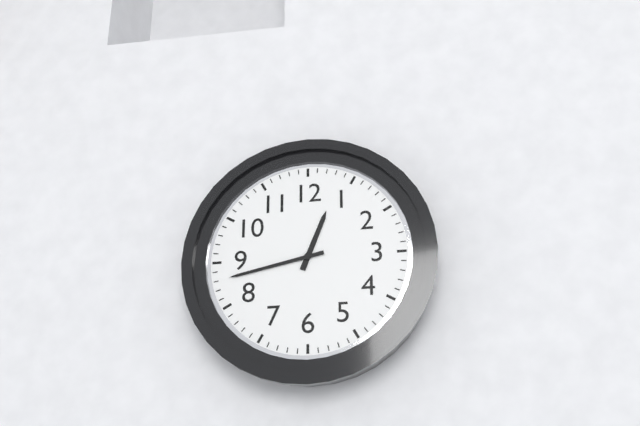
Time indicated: 12:43
